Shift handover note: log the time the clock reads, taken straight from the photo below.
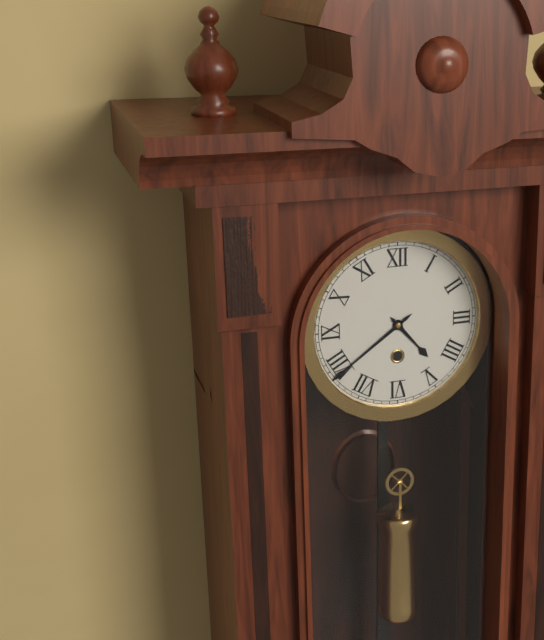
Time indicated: 4:39
